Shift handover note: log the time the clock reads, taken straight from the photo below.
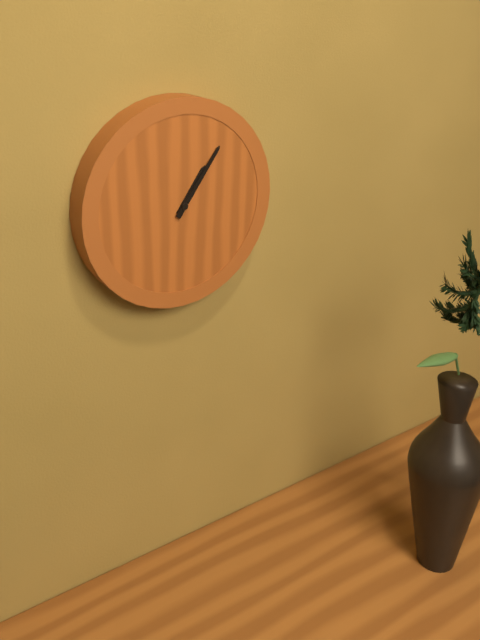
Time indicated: 1:06
